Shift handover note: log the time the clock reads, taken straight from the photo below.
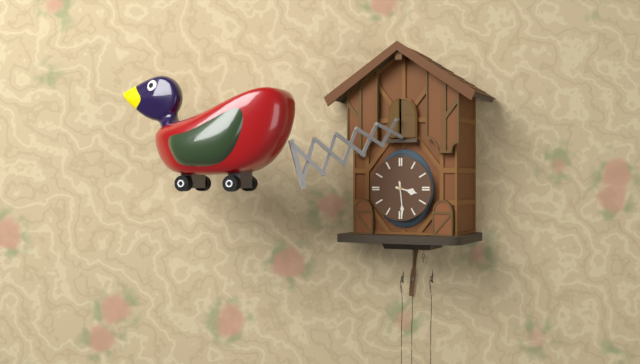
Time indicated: 3:29
